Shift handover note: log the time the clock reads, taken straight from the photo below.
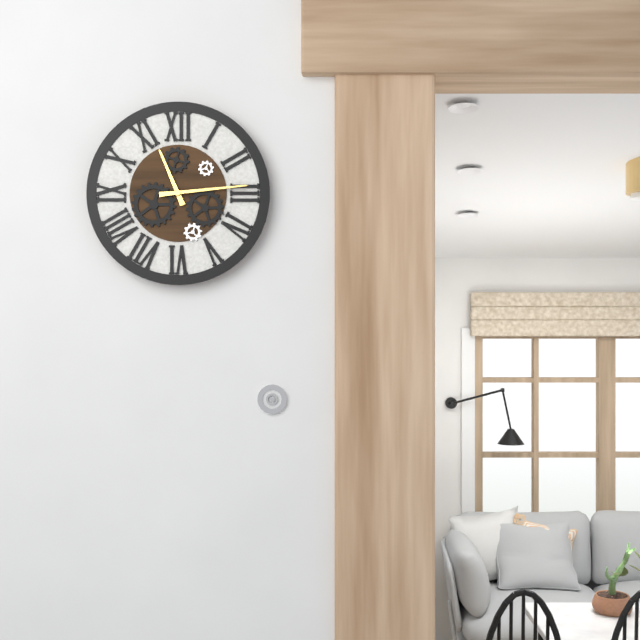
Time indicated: 11:14
